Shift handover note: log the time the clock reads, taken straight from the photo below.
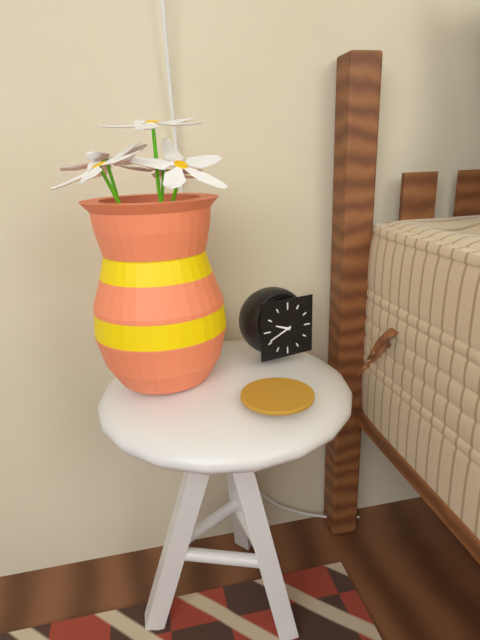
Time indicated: 9:41
